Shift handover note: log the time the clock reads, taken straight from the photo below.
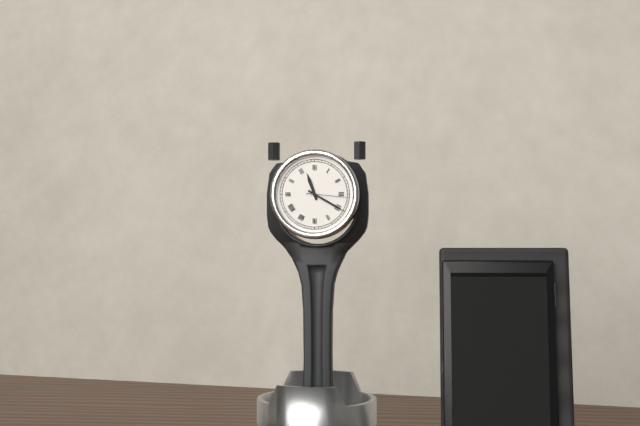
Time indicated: 11:20
